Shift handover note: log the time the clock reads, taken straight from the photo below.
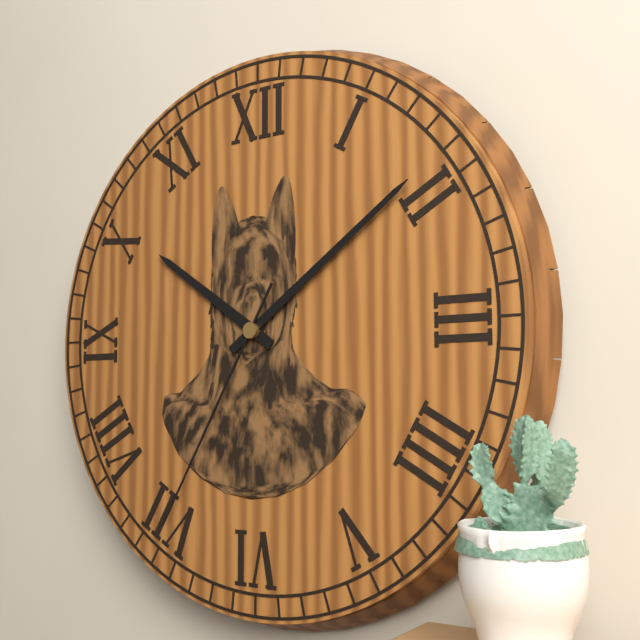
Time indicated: 10:09:35
